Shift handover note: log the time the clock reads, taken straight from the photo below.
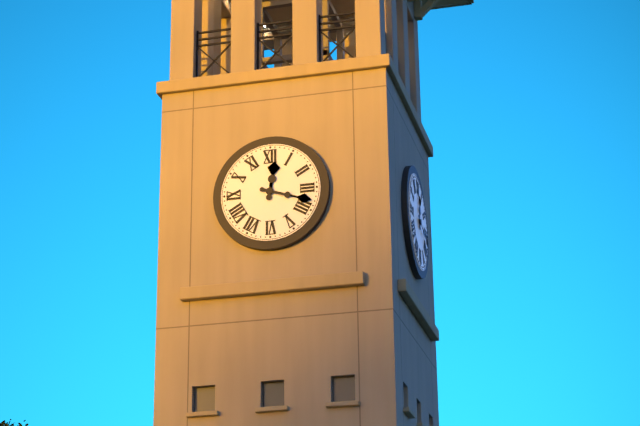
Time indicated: 12:18
